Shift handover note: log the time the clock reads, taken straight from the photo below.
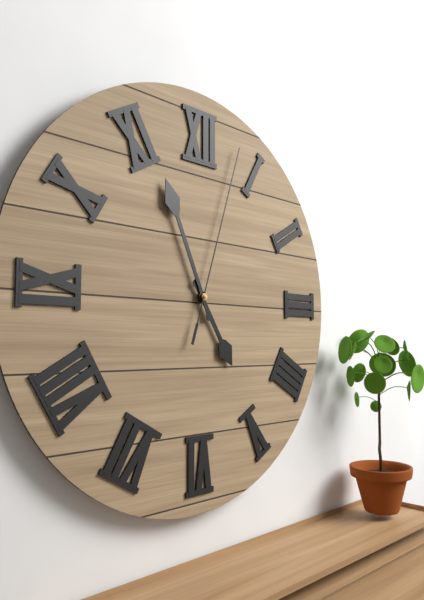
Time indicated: 4:56:03
